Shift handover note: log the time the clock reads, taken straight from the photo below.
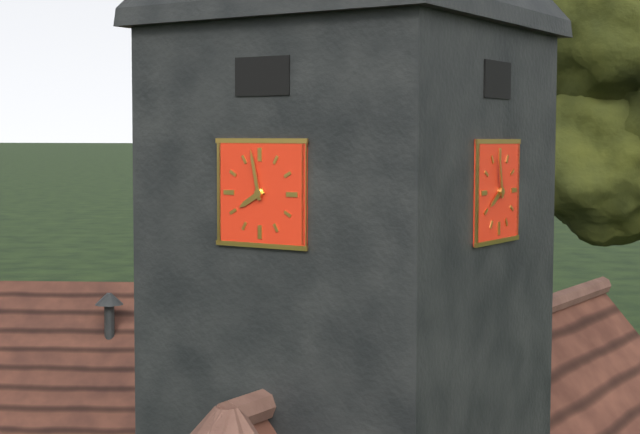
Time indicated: 7:58
